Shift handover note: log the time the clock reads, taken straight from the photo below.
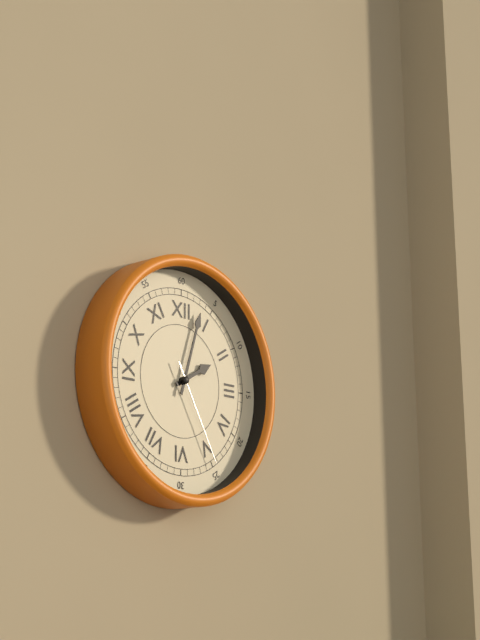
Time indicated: 2:03:25
